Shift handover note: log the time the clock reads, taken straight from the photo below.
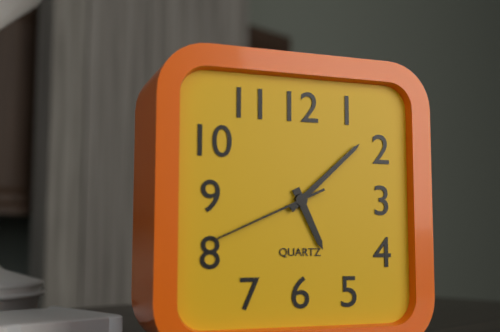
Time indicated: 5:08:41
